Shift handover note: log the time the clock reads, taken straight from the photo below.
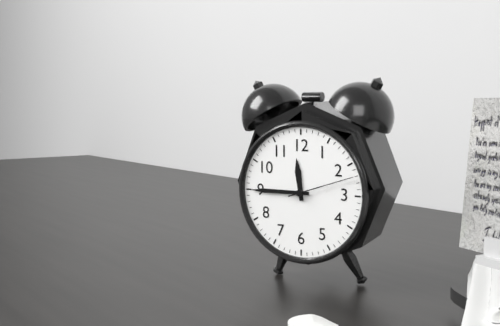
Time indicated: 11:45:12
